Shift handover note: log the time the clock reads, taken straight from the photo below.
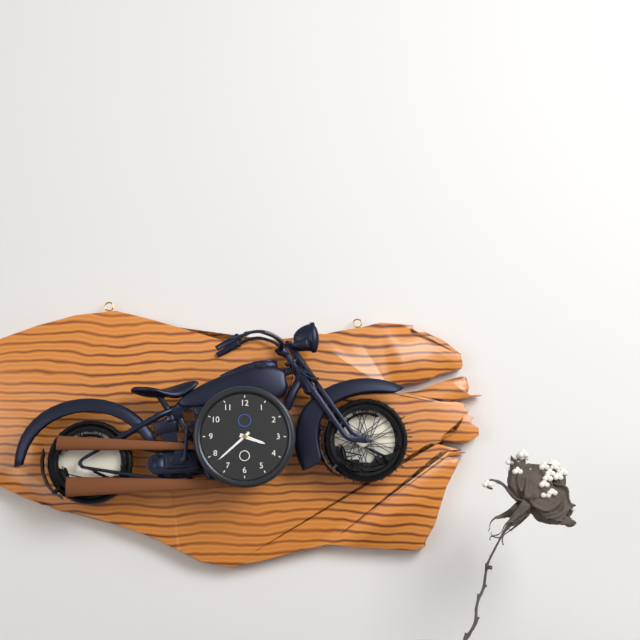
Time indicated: 3:38
